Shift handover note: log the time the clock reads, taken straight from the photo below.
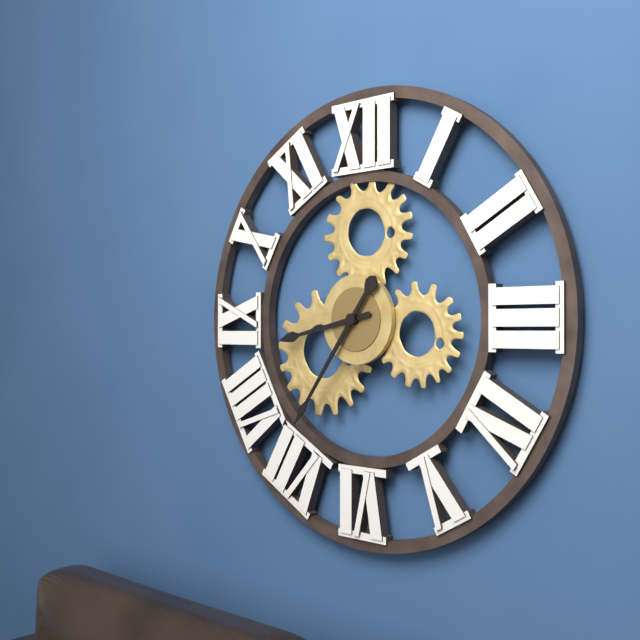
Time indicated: 8:36
